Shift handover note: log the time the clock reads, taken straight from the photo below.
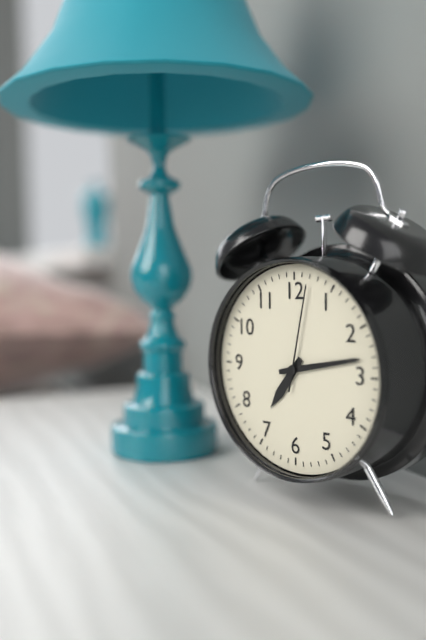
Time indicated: 7:13:02
